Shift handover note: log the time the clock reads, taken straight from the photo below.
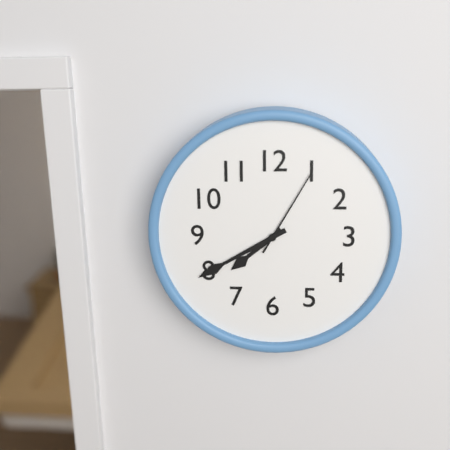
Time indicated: 7:40:05
